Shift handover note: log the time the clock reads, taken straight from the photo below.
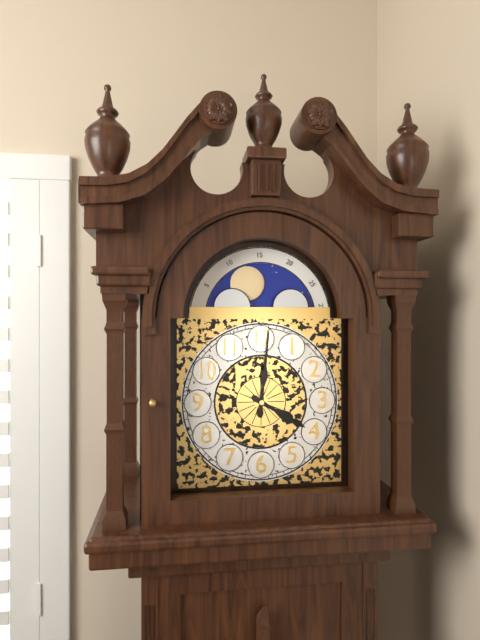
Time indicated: 4:01
